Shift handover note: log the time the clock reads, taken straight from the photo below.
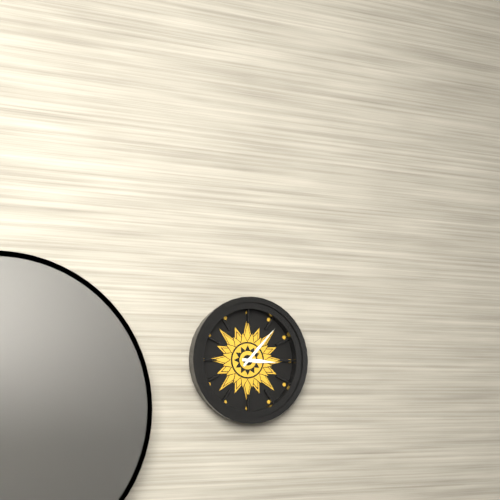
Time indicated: 3:07
